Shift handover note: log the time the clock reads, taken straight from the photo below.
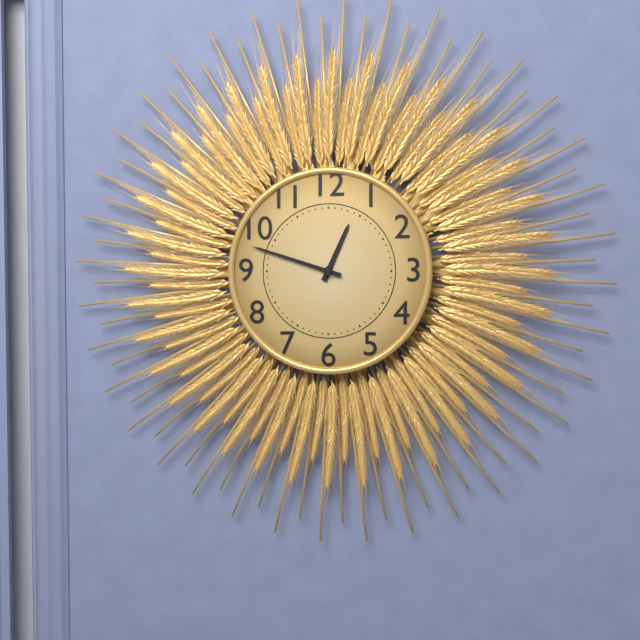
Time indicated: 12:48
